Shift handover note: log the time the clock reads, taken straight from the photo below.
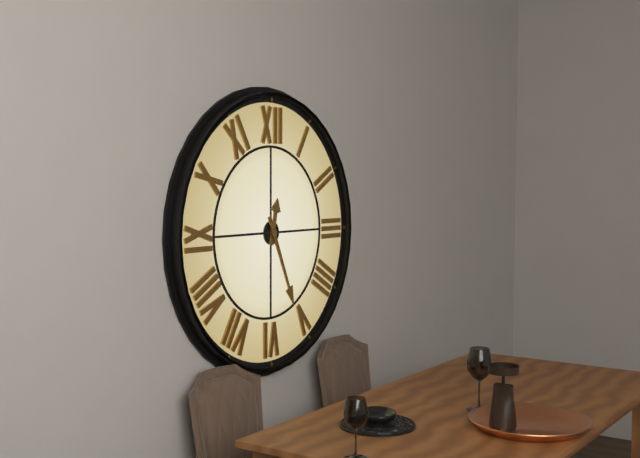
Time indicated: 12:26
